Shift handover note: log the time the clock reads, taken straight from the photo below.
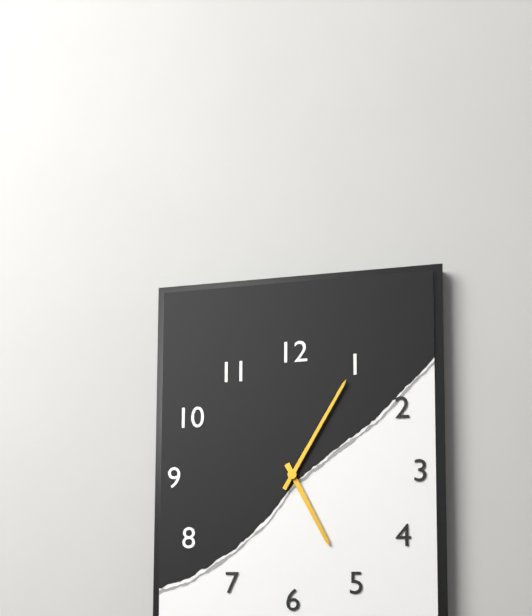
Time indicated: 5:05
